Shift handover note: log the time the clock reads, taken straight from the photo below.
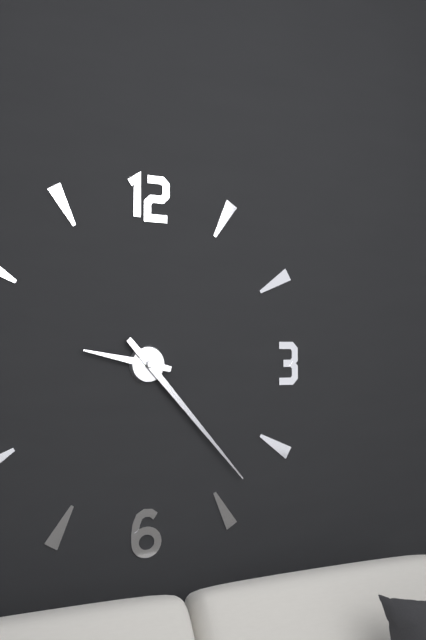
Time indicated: 9:23
